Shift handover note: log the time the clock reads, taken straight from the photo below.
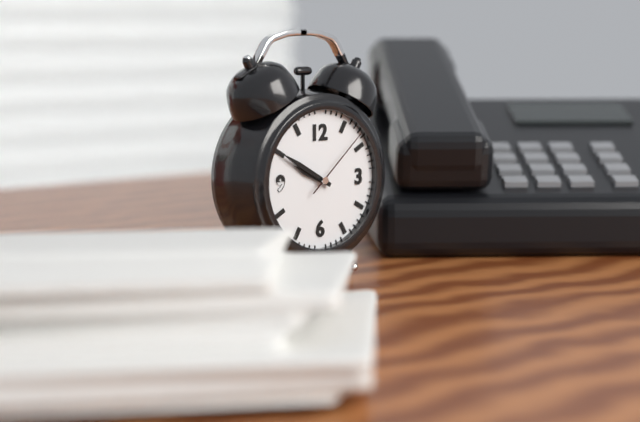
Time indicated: 9:50:08
